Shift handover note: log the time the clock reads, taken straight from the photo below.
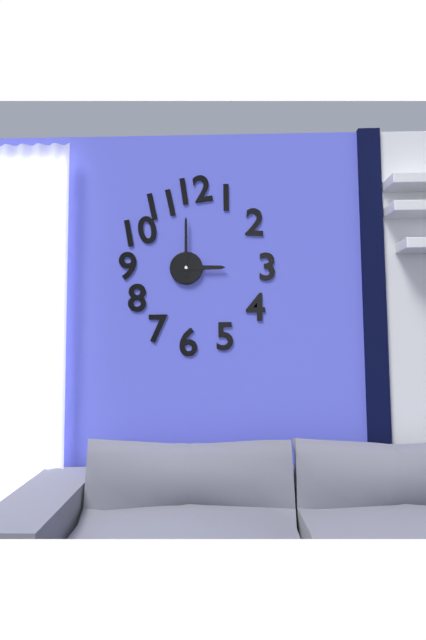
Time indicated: 3:00
